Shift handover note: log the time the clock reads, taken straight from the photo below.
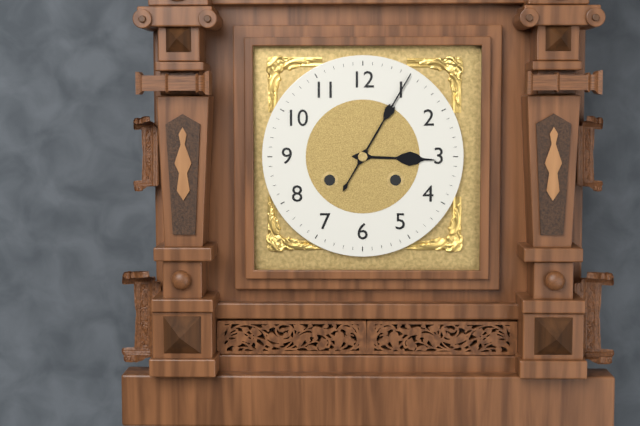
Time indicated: 3:05
